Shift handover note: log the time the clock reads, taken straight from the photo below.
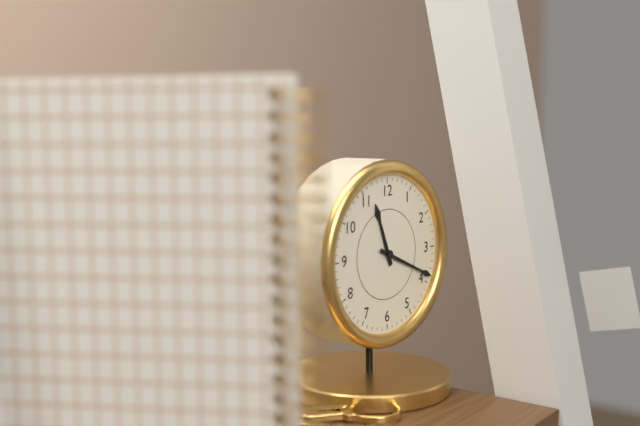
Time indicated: 11:19
